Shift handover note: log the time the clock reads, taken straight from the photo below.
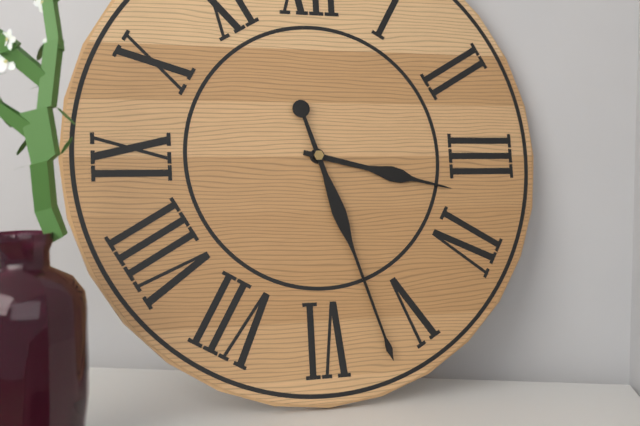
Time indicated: 3:27
